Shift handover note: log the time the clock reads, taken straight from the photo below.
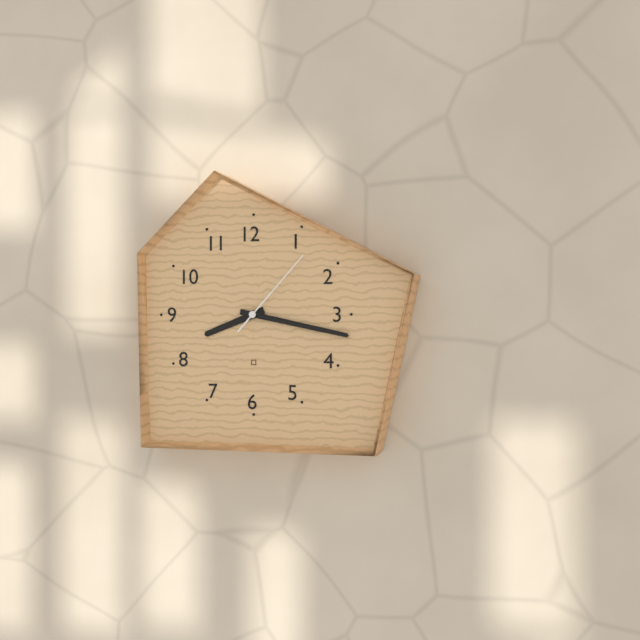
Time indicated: 8:17:07
